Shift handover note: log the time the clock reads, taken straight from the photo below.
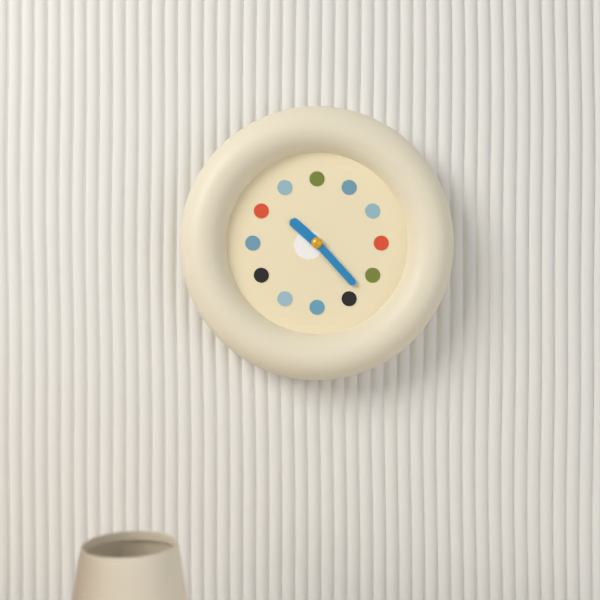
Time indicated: 10:23
